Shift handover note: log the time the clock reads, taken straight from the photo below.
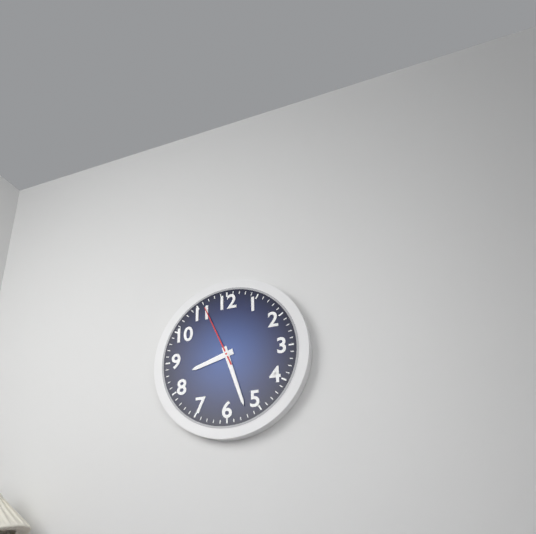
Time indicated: 8:27:56
